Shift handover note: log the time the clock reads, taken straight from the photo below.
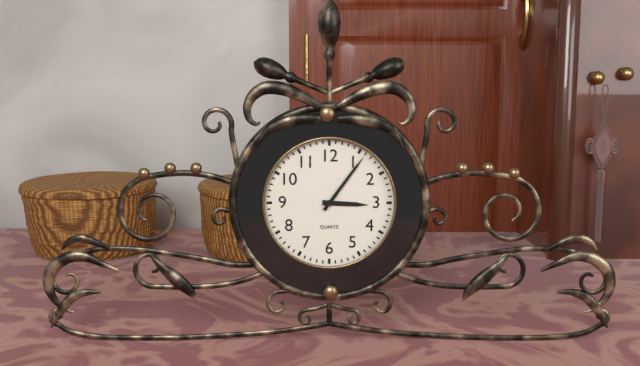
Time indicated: 3:06
